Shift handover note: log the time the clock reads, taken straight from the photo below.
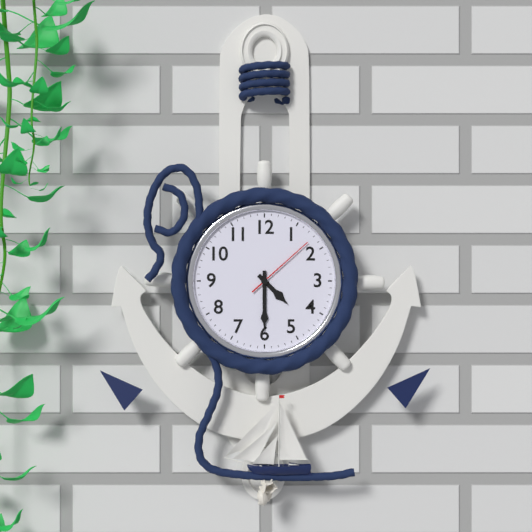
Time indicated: 4:30:08
